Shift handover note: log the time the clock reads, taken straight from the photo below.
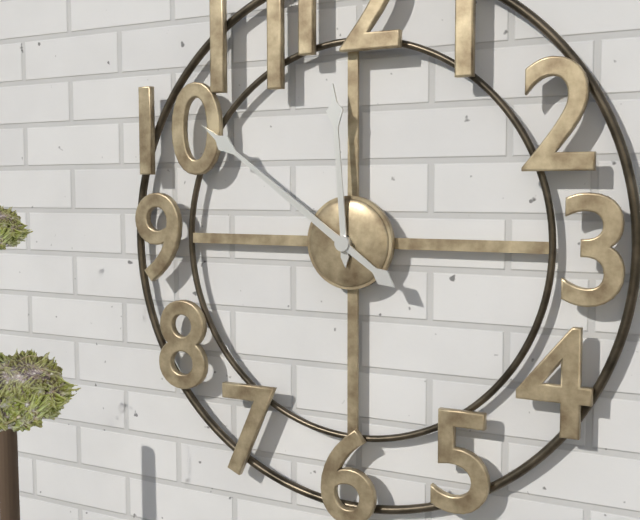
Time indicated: 11:51
